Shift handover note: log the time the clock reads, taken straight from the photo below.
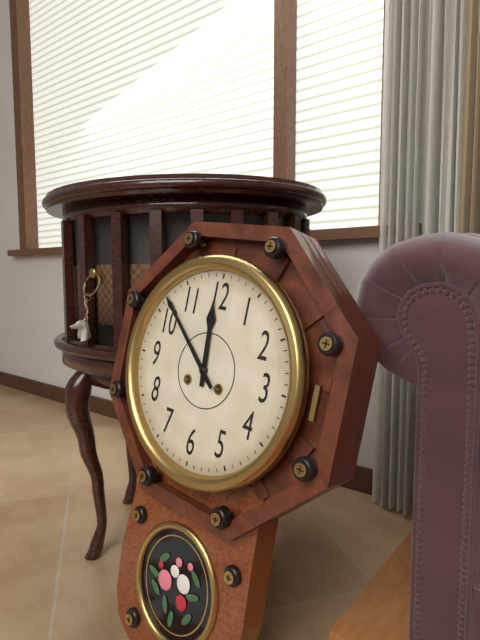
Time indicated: 11:52
